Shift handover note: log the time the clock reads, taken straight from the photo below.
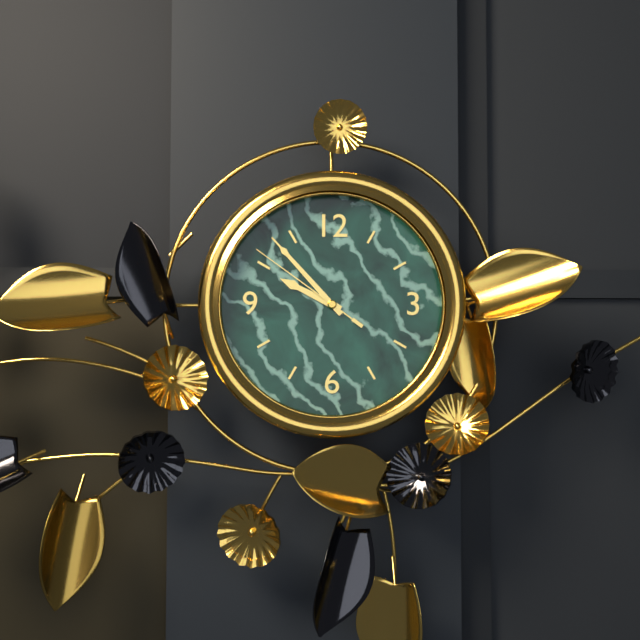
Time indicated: 9:53:51
